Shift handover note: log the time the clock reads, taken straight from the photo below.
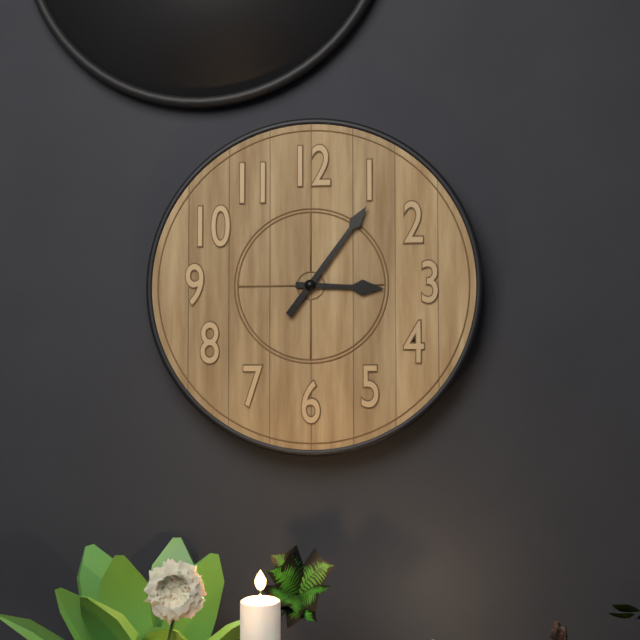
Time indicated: 3:06
